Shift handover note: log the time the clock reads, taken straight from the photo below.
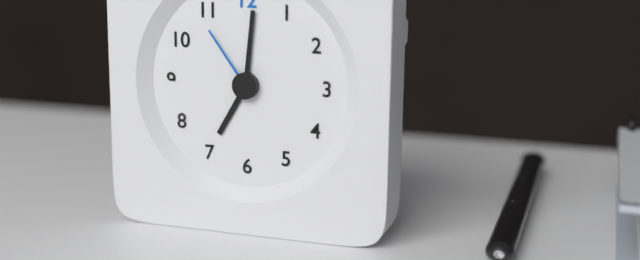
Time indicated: 7:01:54
